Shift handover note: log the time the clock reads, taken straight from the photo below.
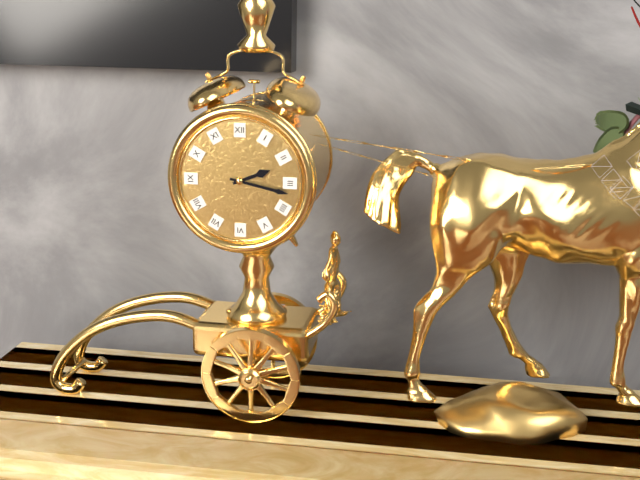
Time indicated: 2:17
